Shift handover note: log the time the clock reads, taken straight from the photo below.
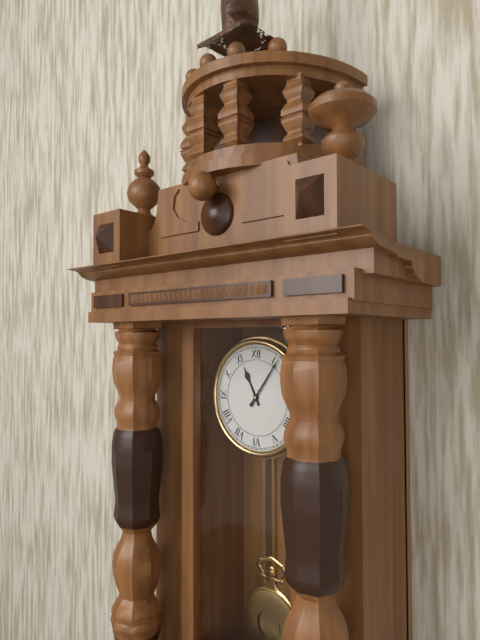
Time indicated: 11:06
